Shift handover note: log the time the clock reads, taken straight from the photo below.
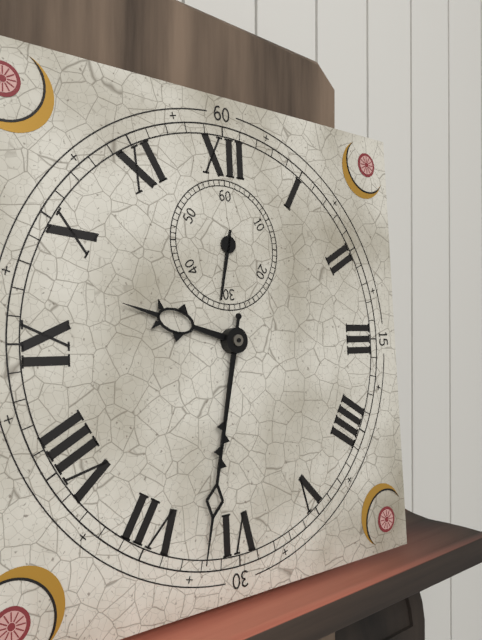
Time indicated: 9:32:32
